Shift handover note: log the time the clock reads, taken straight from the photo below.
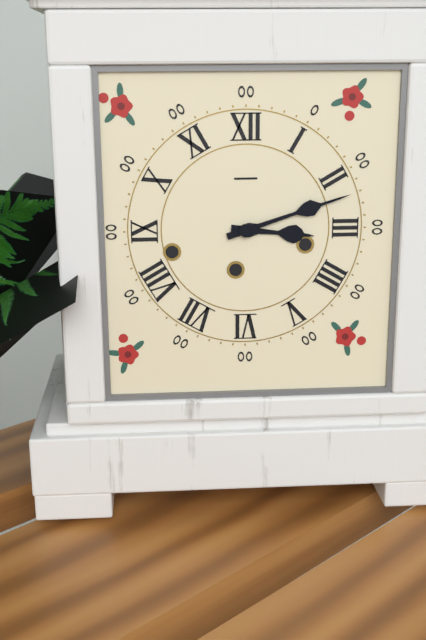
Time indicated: 3:12
